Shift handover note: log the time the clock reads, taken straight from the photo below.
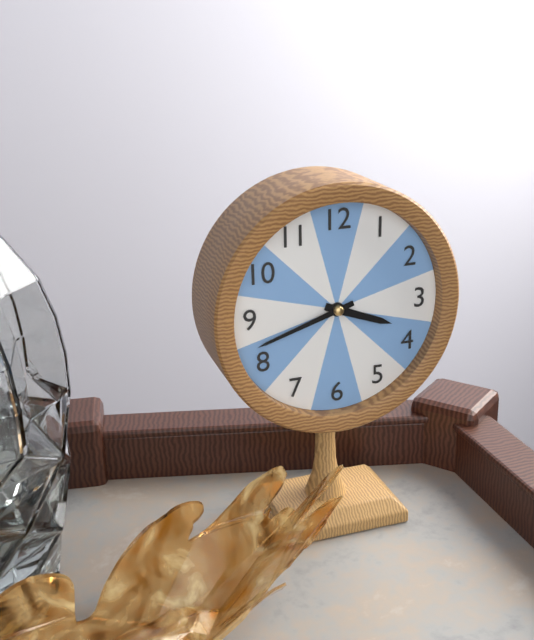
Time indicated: 3:42
